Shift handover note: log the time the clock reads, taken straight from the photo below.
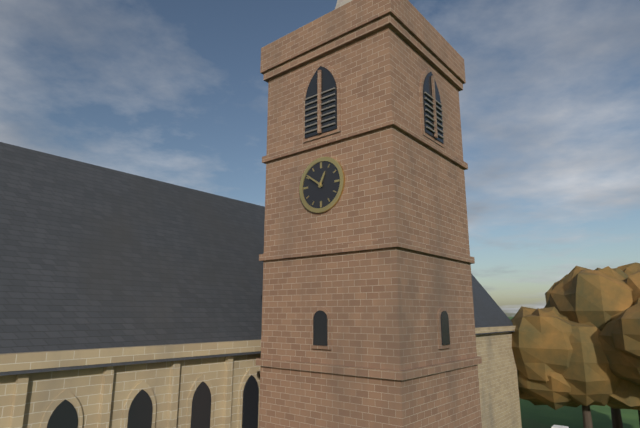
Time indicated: 12:51
